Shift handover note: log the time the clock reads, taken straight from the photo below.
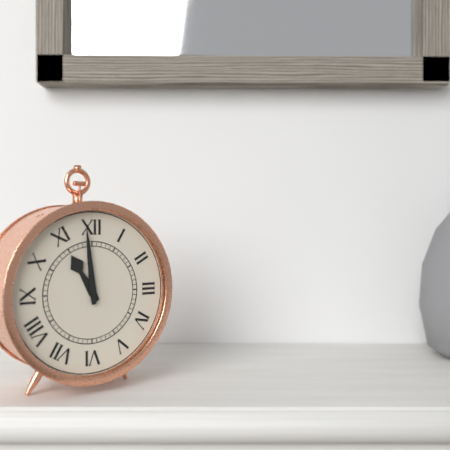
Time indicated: 10:59
